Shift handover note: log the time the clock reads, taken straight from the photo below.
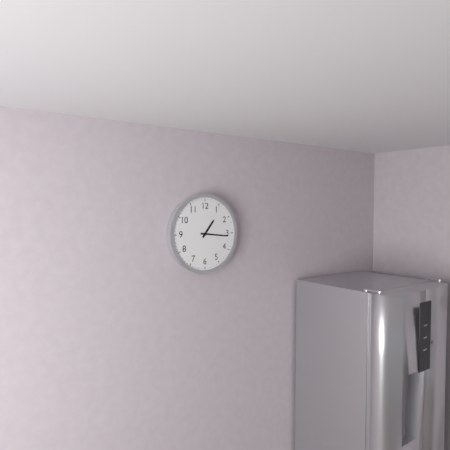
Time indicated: 1:16
